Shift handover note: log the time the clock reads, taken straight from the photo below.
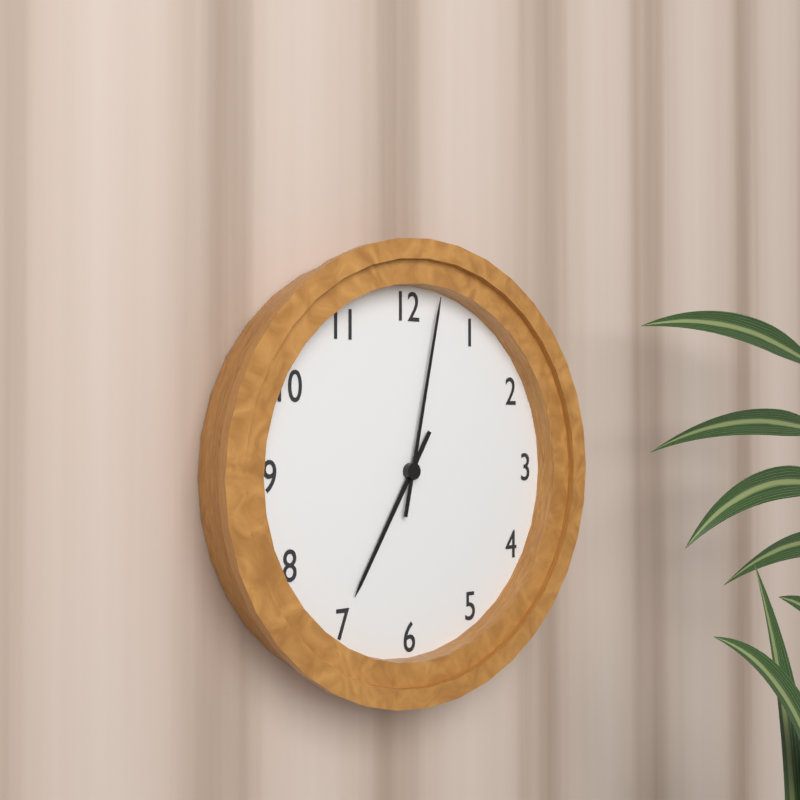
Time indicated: 7:02
